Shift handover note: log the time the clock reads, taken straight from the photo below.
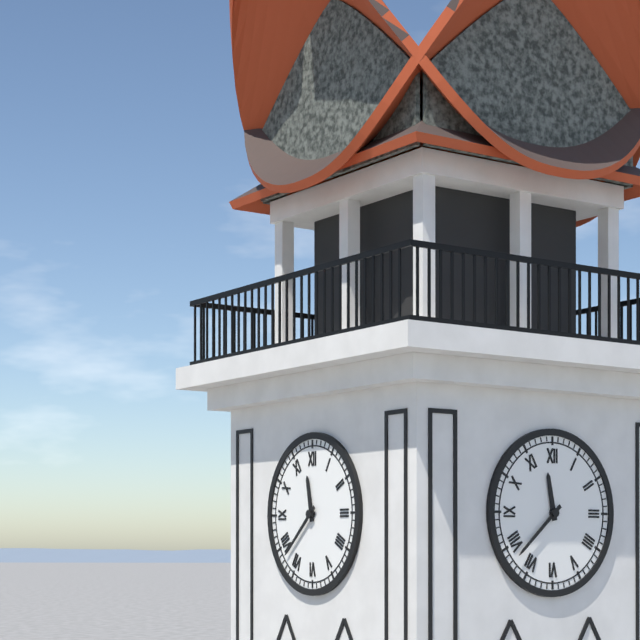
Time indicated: 11:38
